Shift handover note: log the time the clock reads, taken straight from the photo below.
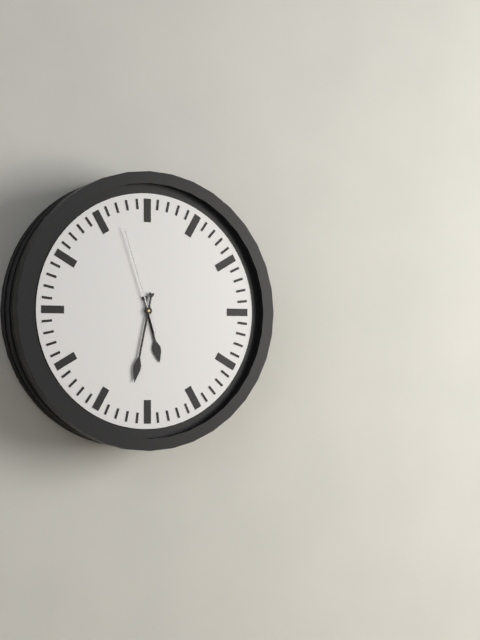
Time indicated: 5:32:57
